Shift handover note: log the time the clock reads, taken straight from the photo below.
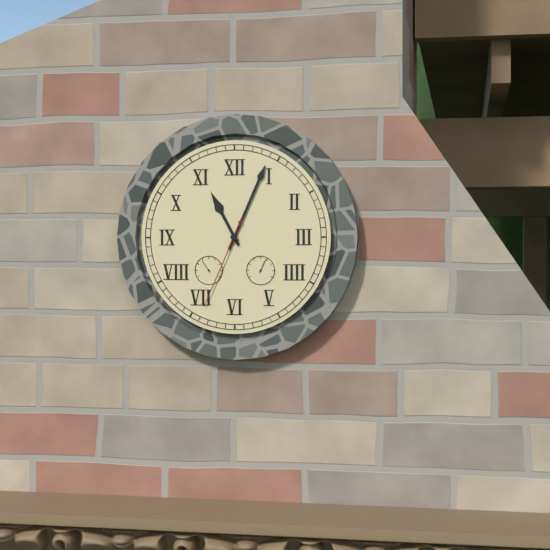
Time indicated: 11:04:34
